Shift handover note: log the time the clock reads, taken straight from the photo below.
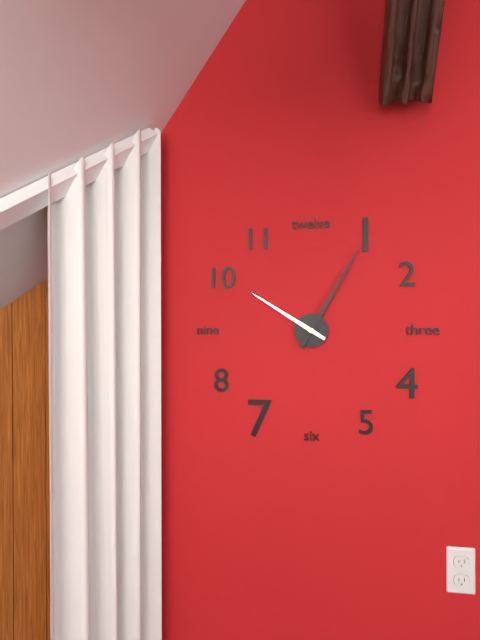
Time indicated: 10:05
